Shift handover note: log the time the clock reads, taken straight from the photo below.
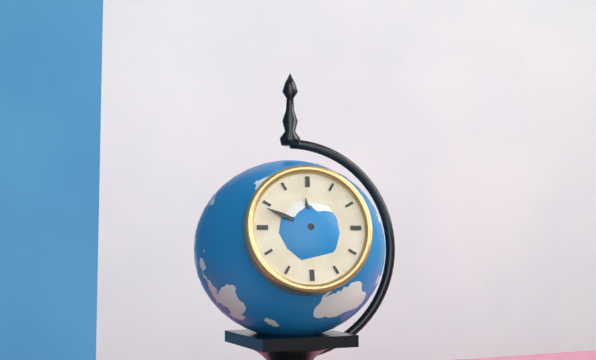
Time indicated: 11:49
